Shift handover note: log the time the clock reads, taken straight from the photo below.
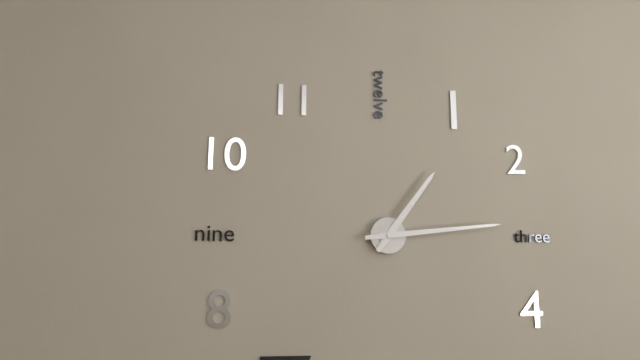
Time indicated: 1:14
